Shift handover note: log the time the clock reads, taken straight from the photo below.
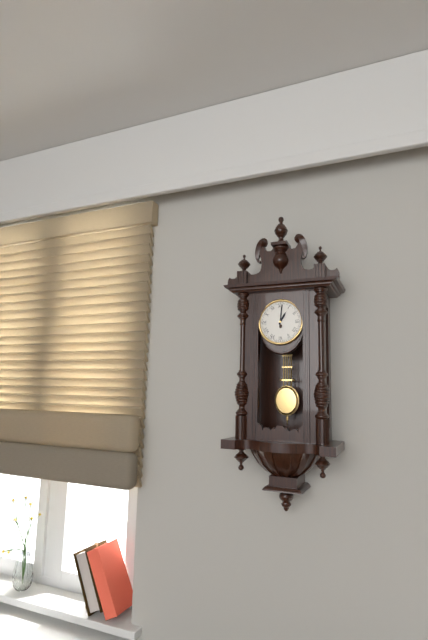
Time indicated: 1:01
